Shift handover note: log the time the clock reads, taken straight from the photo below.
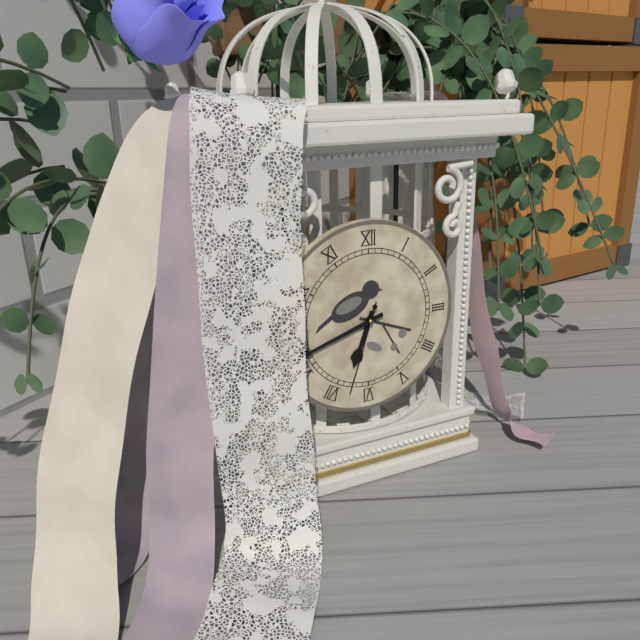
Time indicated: 6:42:33
